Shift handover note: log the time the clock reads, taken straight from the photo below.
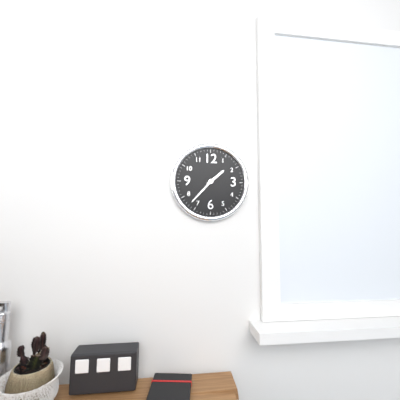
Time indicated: 1:37
